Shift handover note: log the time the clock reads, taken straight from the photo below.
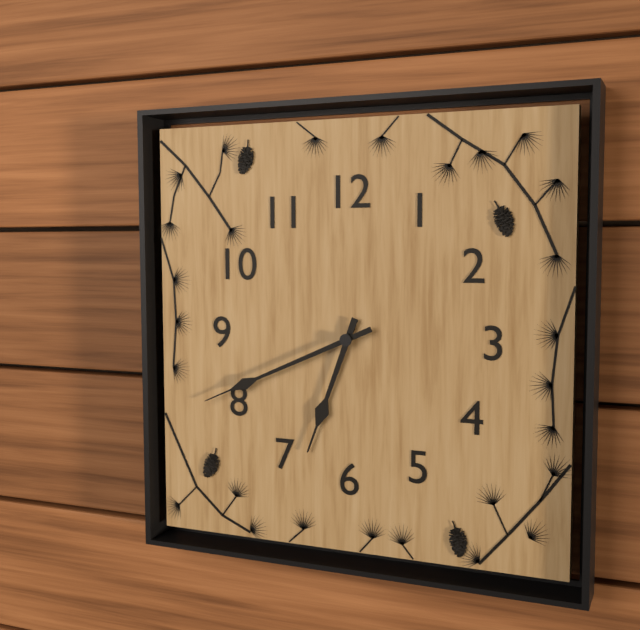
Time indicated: 6:41
